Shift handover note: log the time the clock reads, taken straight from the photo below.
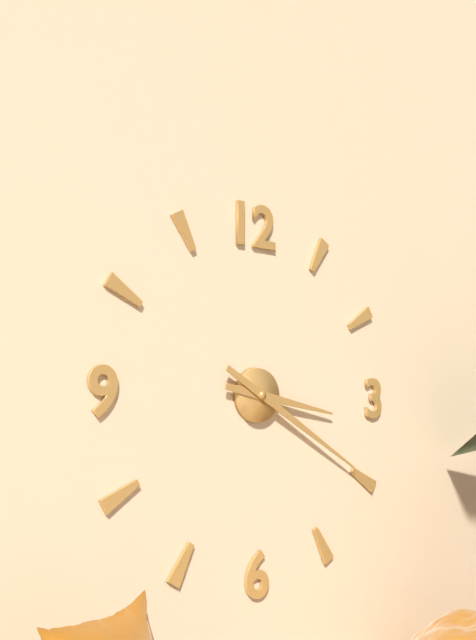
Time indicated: 3:20
